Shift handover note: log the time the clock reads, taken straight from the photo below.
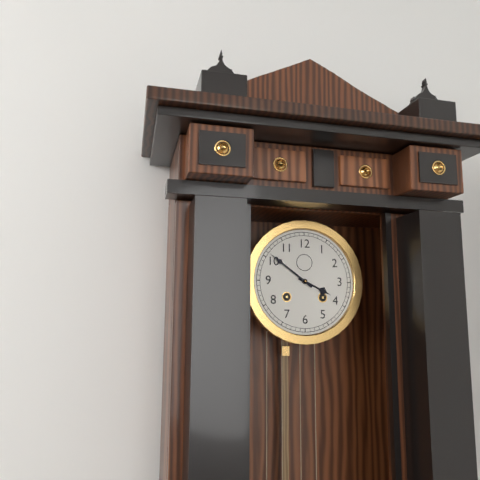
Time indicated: 3:51
